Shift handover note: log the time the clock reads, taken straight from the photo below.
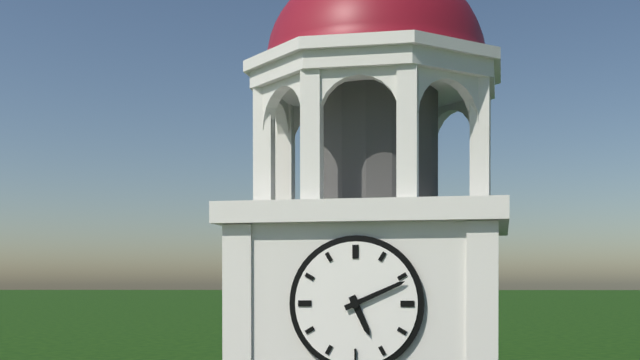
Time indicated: 5:11
